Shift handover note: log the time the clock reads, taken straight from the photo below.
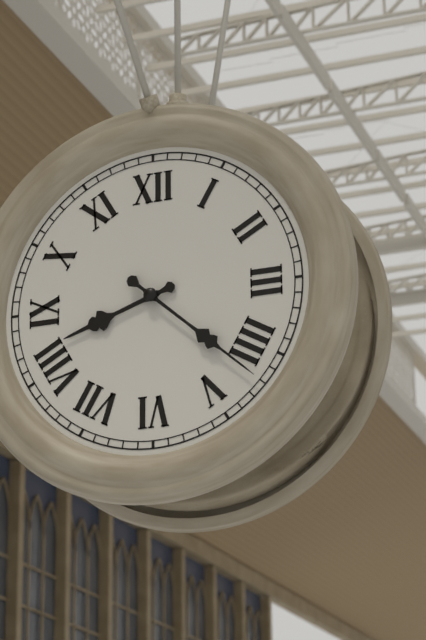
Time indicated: 8:22
